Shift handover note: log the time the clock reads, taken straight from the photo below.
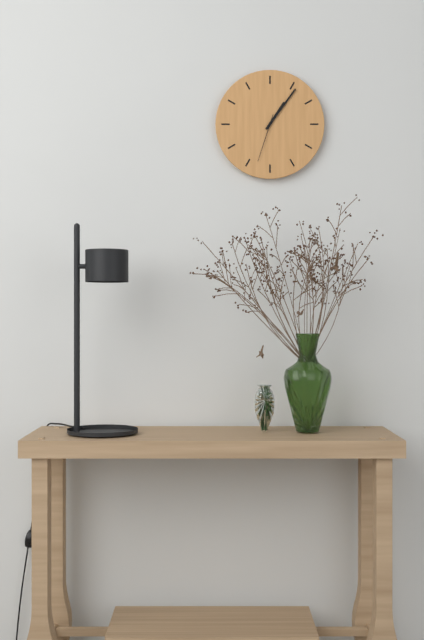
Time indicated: 1:06
